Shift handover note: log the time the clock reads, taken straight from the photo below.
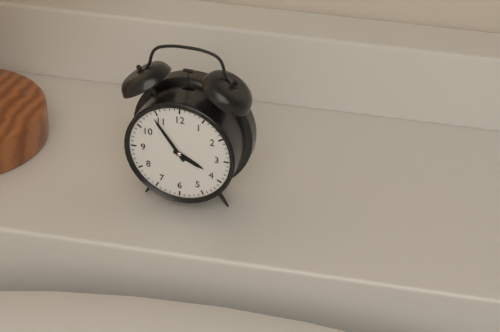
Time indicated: 3:54
